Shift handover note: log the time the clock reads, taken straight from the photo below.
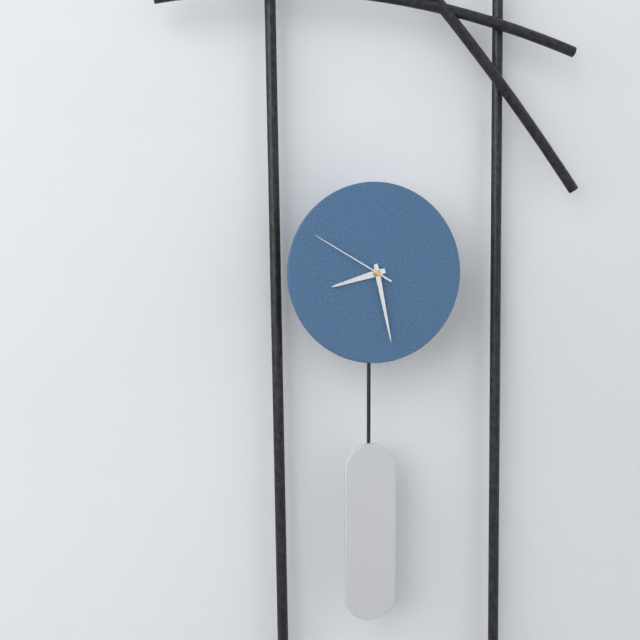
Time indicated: 8:28:50
